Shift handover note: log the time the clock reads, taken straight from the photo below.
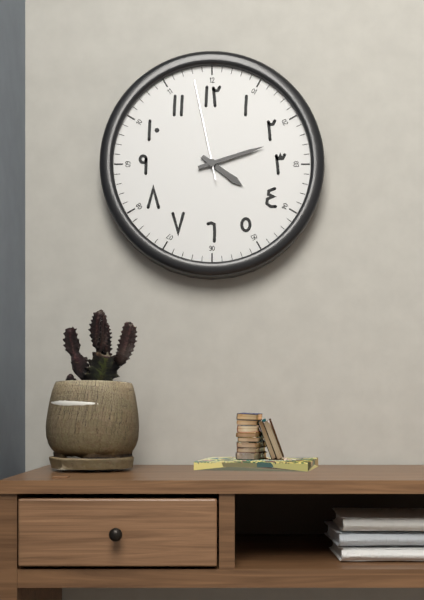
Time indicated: 4:12:58
